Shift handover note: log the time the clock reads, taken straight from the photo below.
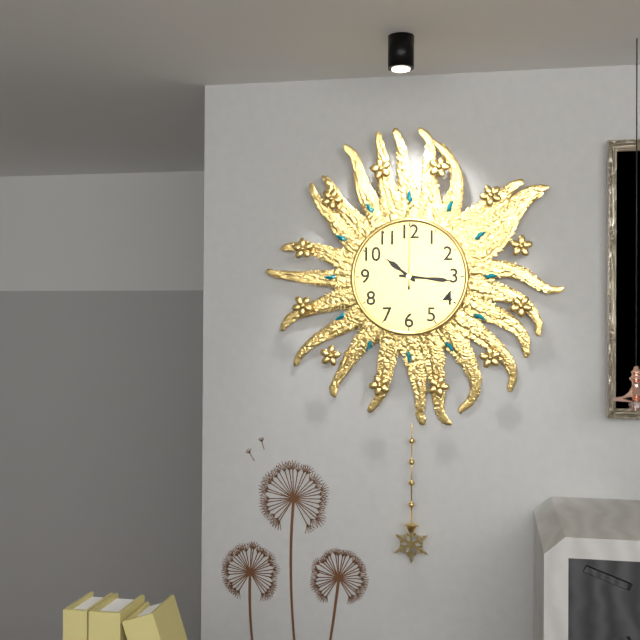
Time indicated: 10:16:00
